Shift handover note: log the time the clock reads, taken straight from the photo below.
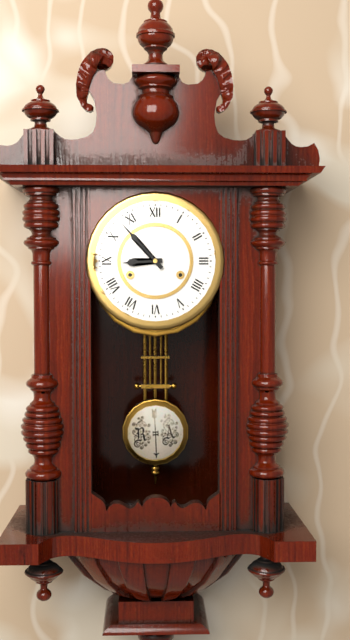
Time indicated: 8:53
